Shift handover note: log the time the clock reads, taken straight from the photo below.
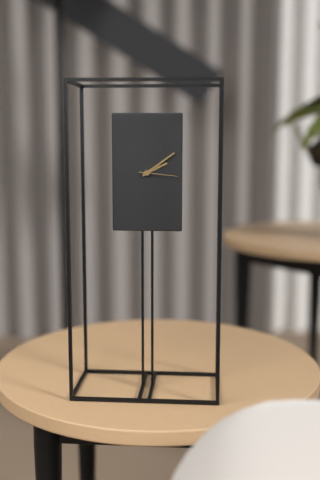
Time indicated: 2:09
